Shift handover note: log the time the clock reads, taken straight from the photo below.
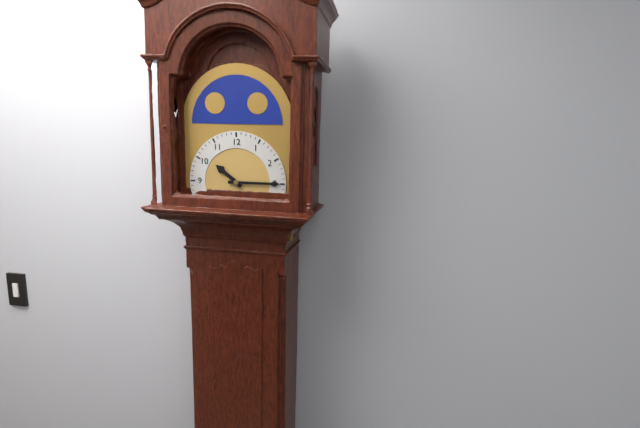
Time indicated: 10:15
